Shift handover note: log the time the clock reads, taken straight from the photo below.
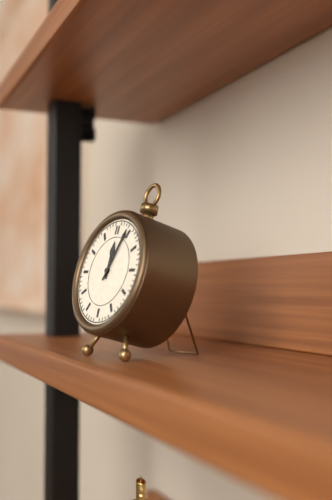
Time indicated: 12:04
